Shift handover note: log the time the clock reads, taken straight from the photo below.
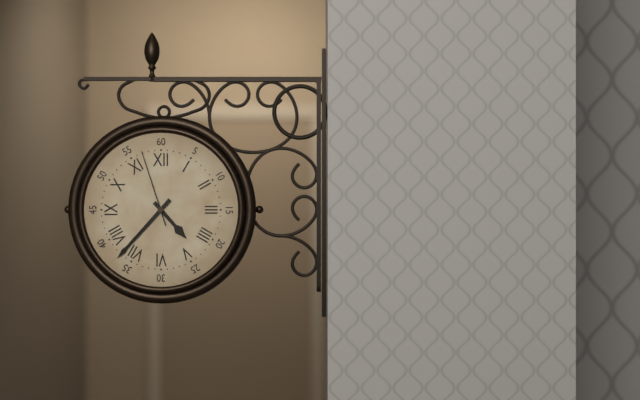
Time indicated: 4:37:57
